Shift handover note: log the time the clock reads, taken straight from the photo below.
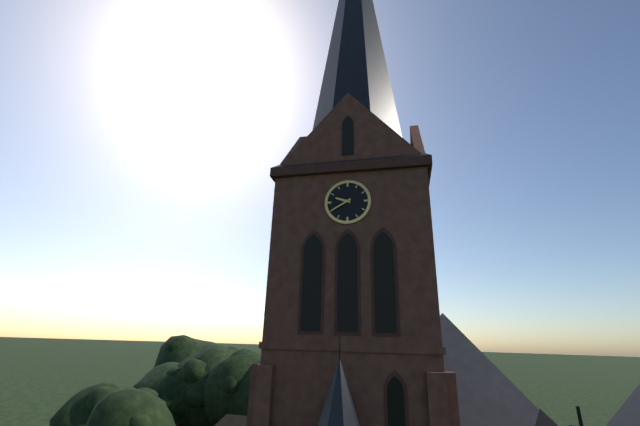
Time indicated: 9:40
